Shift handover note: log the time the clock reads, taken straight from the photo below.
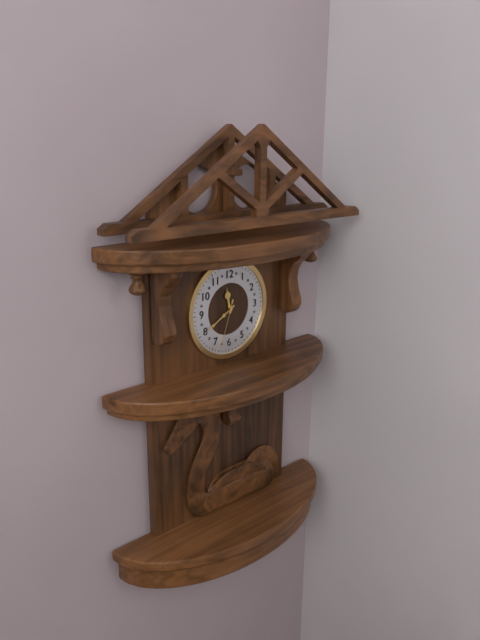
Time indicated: 11:40:33
